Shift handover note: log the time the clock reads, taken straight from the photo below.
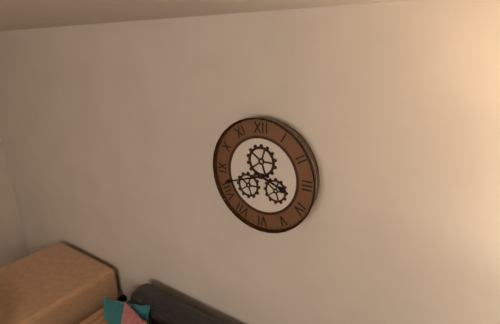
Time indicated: 3:42
